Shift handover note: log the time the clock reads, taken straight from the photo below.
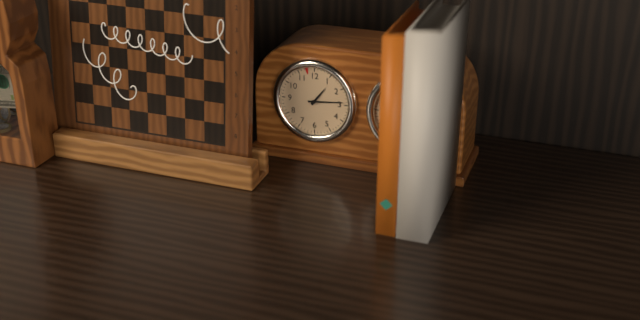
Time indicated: 1:14
